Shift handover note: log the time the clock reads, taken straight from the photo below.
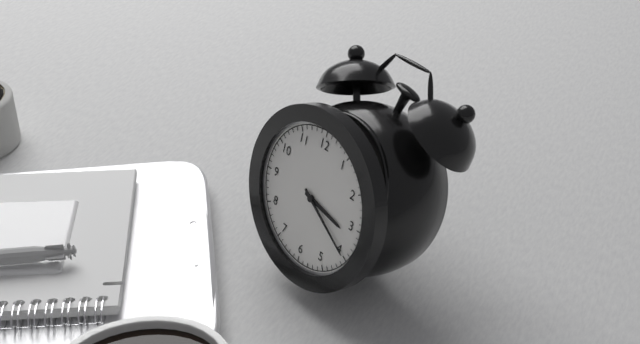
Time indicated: 3:20
